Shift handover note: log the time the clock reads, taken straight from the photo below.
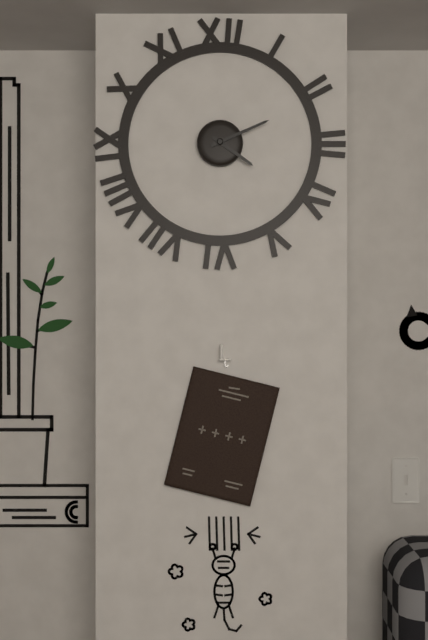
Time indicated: 4:11
